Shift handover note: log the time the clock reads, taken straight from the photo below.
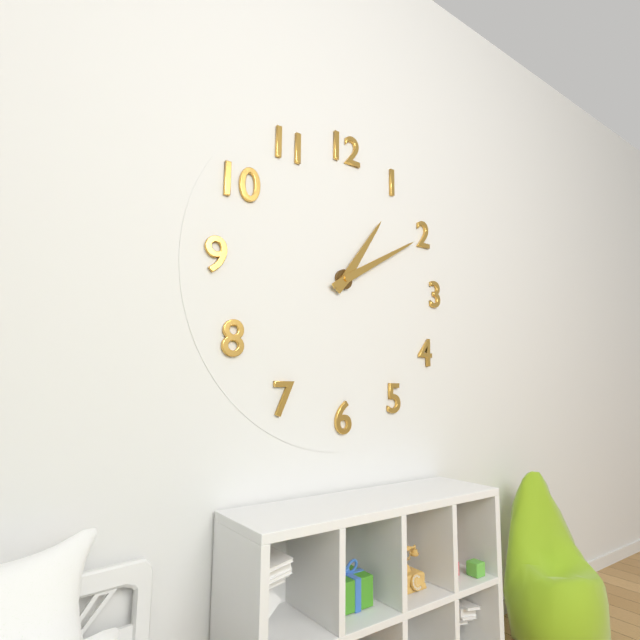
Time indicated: 1:10
